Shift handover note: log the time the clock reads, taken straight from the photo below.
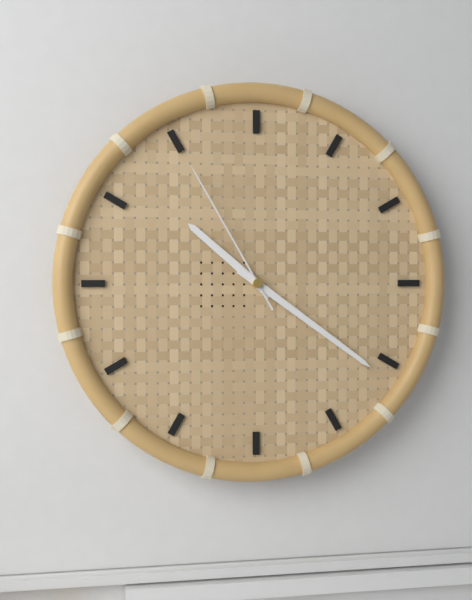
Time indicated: 10:21:55
